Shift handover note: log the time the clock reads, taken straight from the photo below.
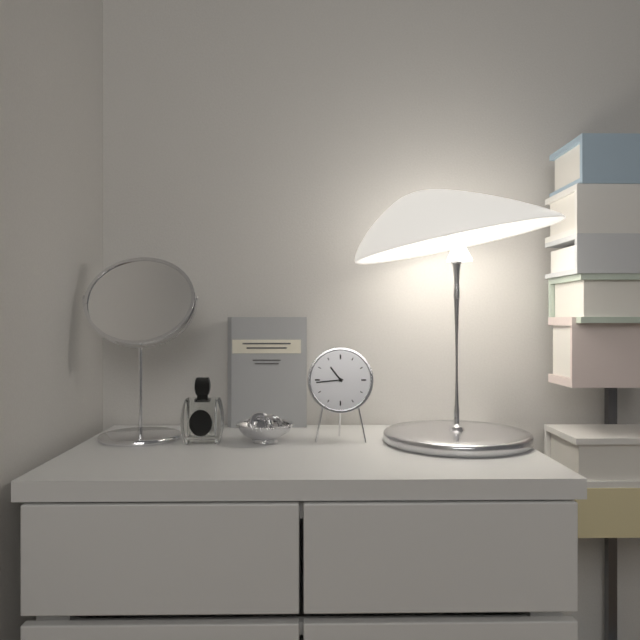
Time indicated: 10:44
